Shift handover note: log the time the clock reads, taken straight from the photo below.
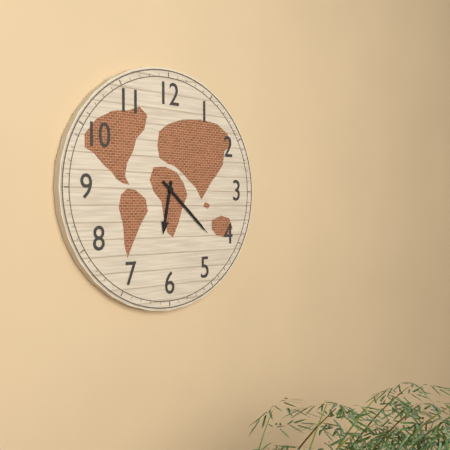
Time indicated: 6:22
